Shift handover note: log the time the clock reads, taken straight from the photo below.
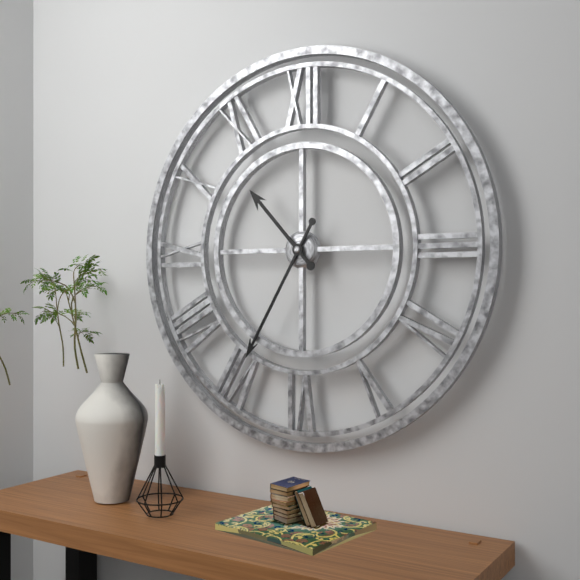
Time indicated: 10:35
